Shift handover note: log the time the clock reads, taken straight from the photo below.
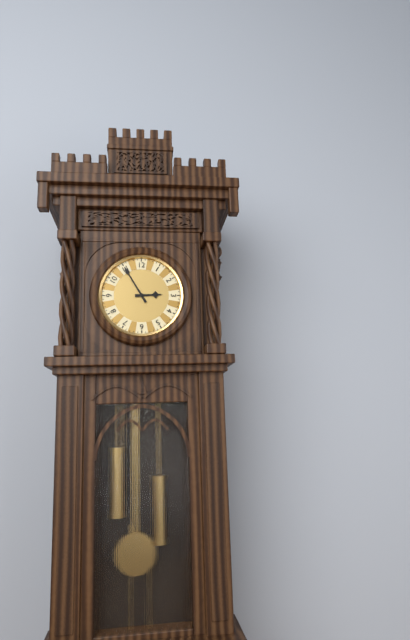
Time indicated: 2:55
